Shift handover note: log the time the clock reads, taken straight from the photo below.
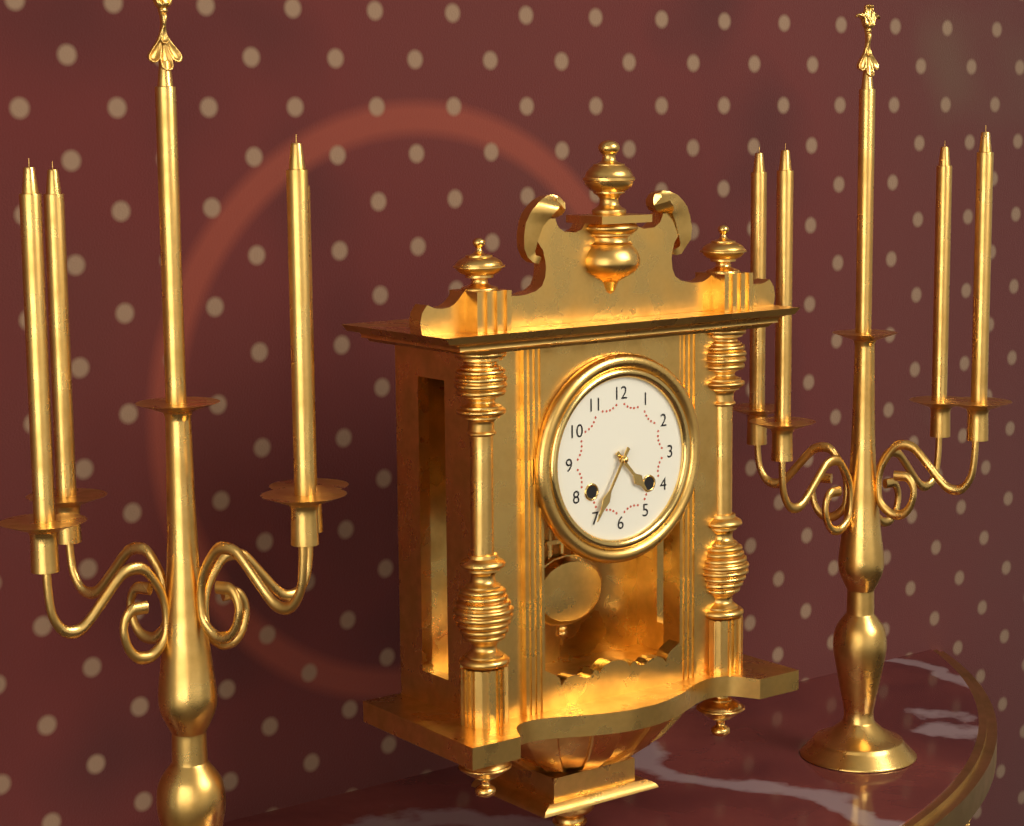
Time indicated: 4:35
